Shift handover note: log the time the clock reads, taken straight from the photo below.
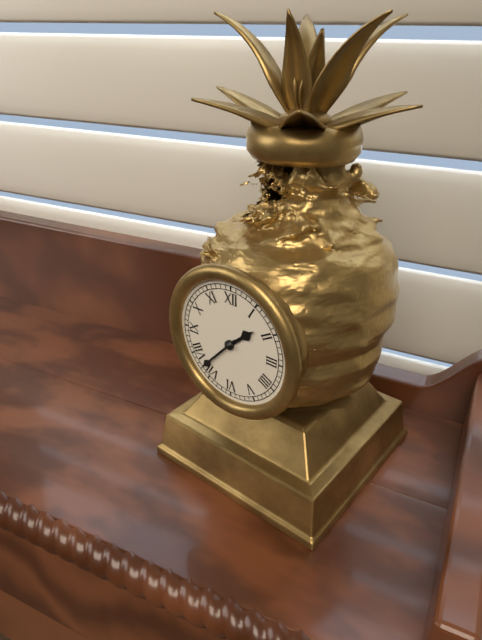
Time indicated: 1:37
